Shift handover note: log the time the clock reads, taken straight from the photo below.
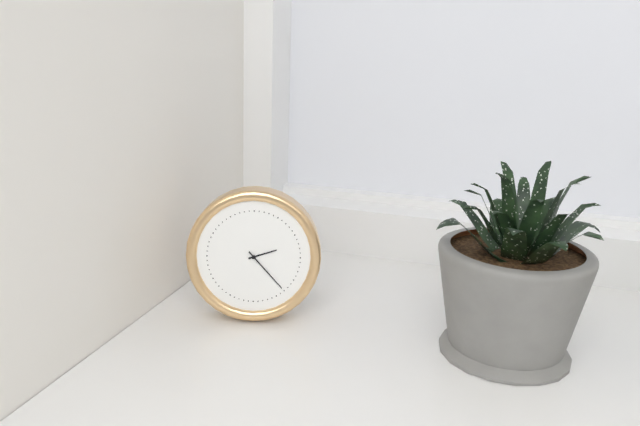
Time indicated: 2:23
